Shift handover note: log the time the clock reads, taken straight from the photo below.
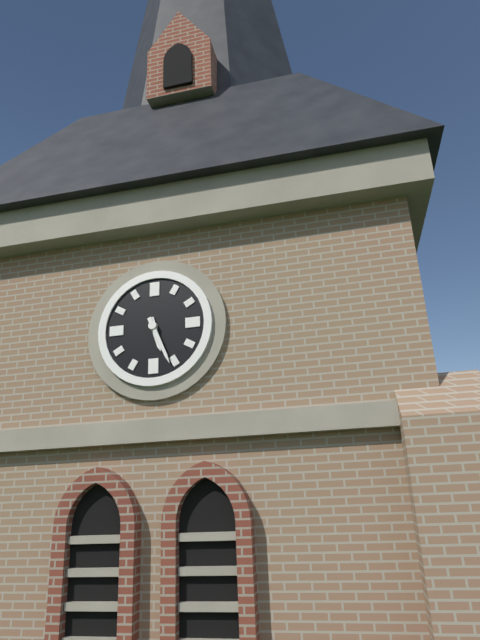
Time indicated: 5:26
